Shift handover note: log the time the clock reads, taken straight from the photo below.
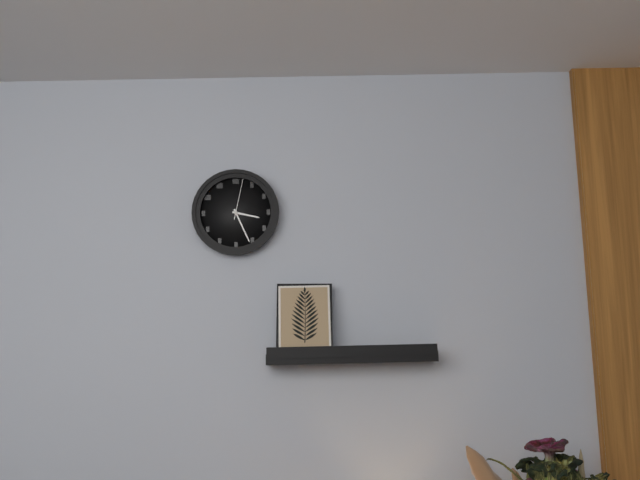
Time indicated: 3:26
